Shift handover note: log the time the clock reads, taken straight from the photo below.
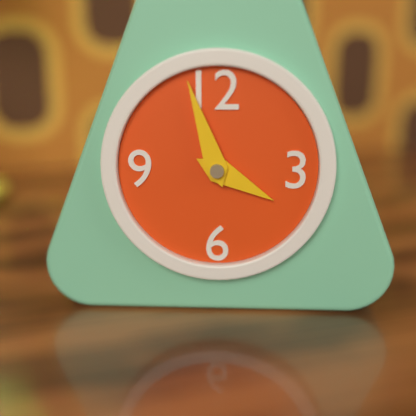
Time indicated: 3:57
